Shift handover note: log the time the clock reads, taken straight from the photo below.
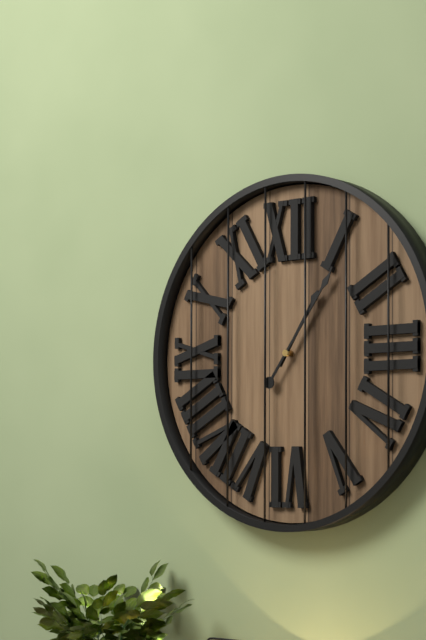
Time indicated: 1:06
